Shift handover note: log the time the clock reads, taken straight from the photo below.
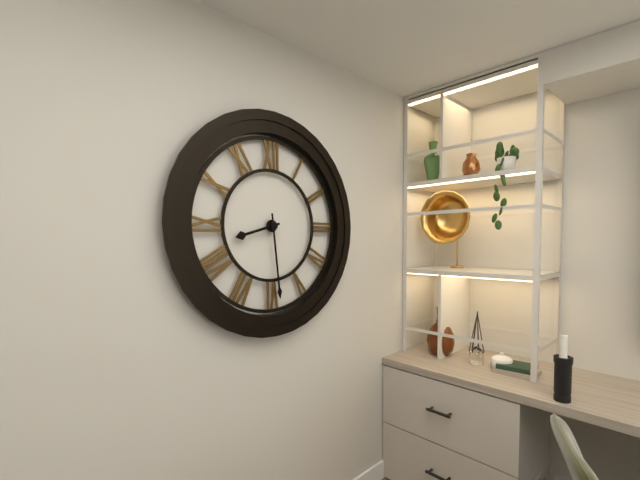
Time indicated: 8:29
